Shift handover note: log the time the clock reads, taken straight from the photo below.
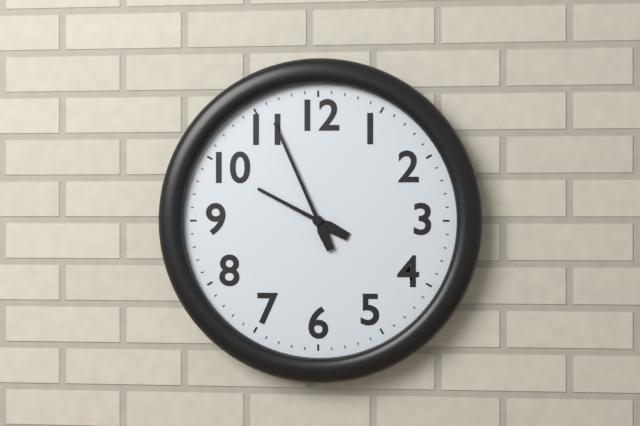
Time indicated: 9:56
